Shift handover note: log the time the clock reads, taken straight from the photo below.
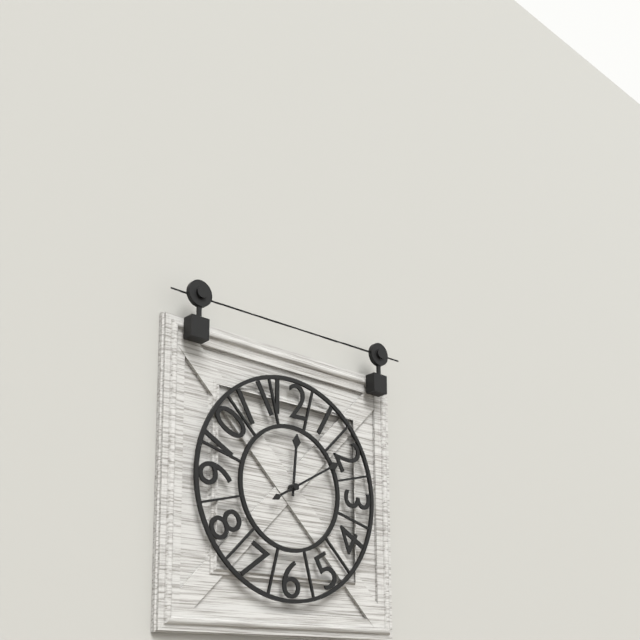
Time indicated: 12:10
